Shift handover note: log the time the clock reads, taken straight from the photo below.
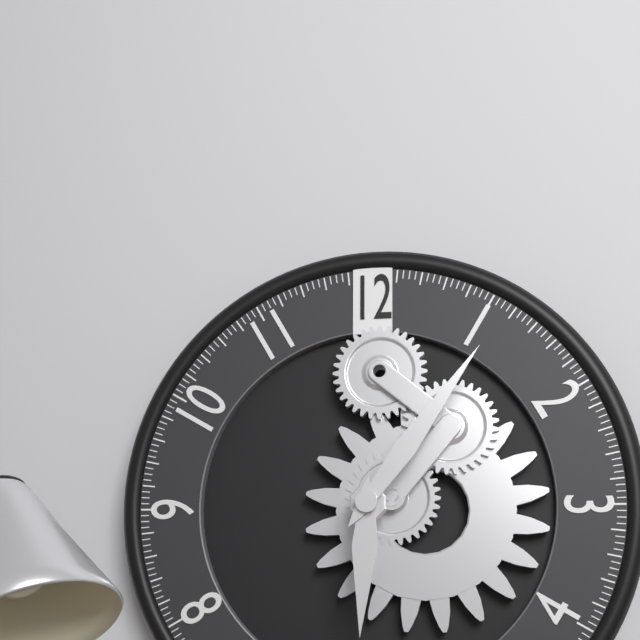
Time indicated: 6:06
